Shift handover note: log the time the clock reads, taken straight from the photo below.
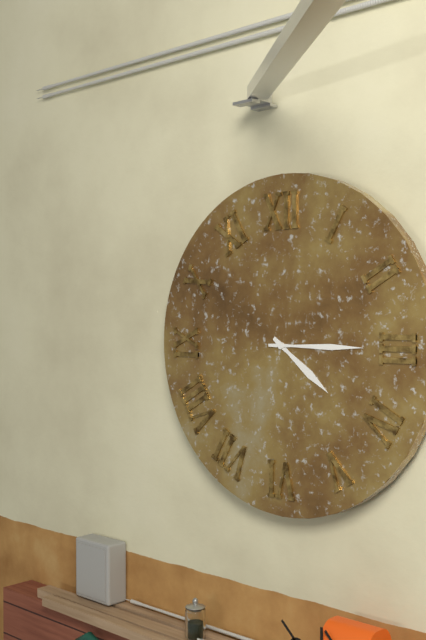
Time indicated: 4:15
